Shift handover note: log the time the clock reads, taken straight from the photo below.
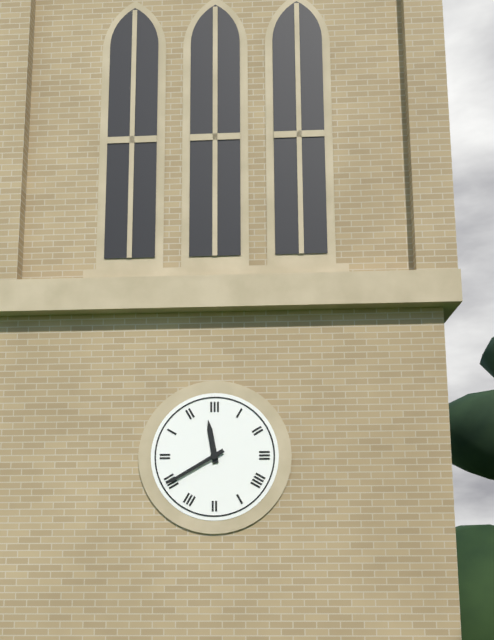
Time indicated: 11:40
